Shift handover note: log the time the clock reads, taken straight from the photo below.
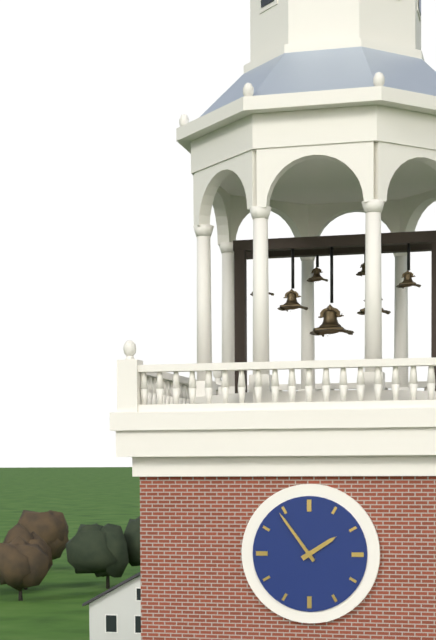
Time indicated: 1:54
